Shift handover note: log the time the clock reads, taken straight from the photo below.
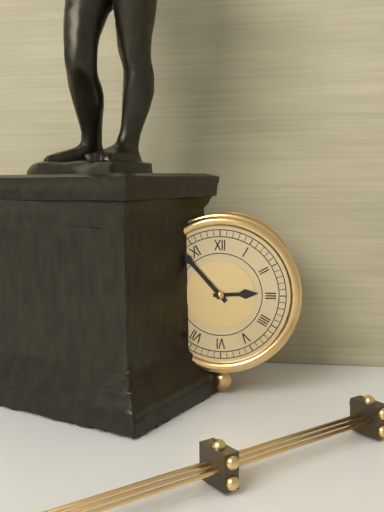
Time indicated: 2:53
